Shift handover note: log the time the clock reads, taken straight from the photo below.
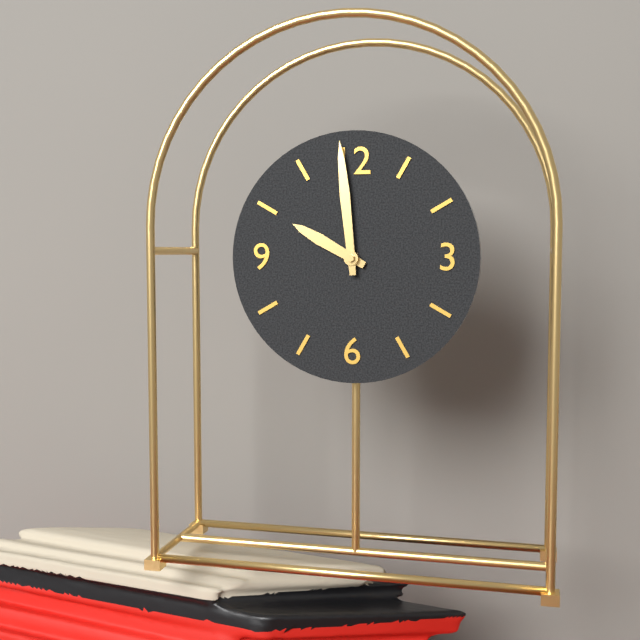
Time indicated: 9:59
